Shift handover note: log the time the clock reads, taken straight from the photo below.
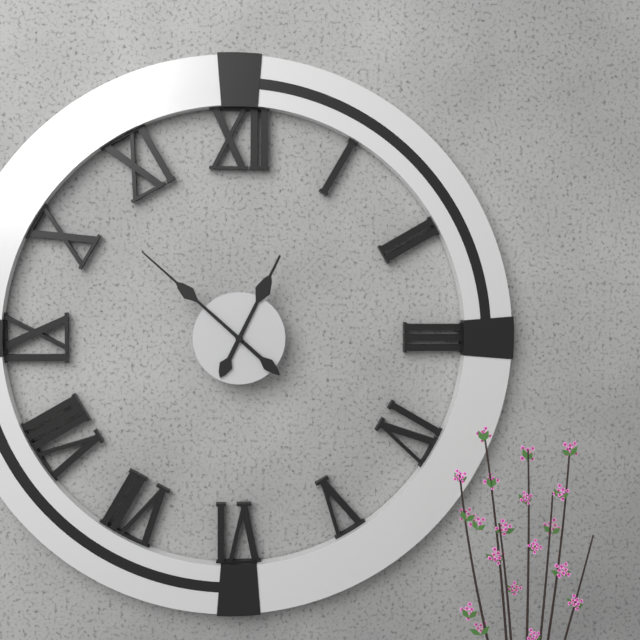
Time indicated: 12:52
